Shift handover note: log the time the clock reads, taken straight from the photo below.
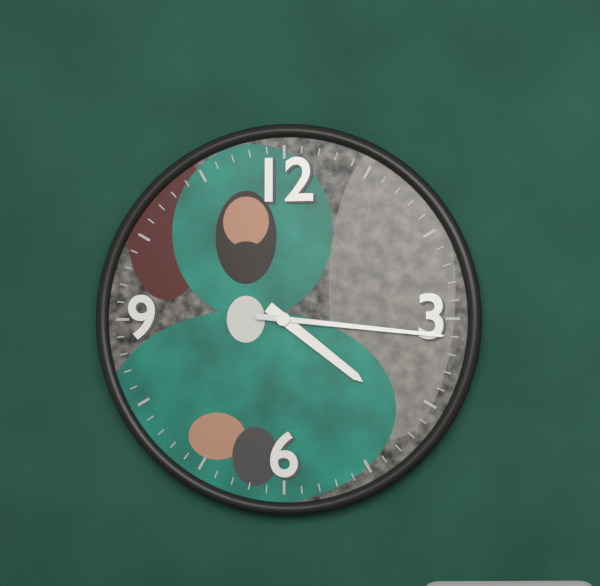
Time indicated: 4:16
